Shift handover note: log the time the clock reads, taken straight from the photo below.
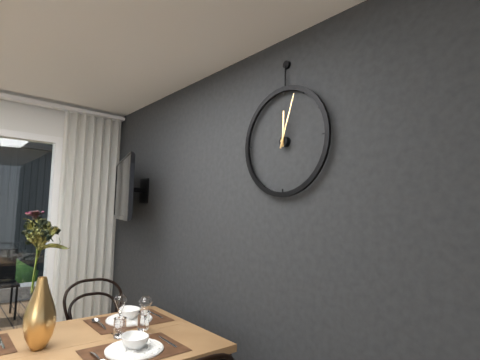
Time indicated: 12:03
